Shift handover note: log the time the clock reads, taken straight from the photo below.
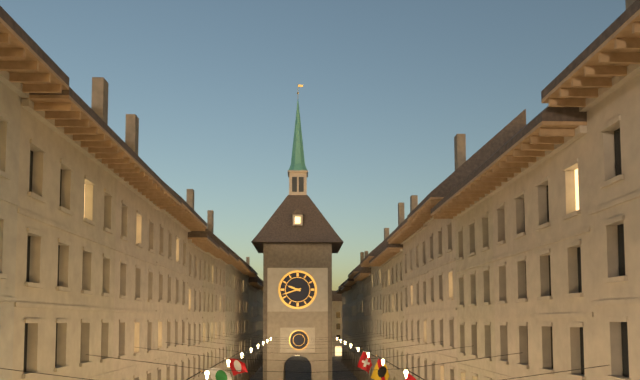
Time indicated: 9:42
